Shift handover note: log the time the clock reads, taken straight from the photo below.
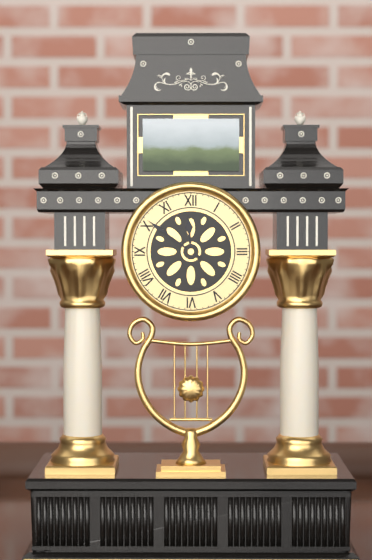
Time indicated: 11:51
